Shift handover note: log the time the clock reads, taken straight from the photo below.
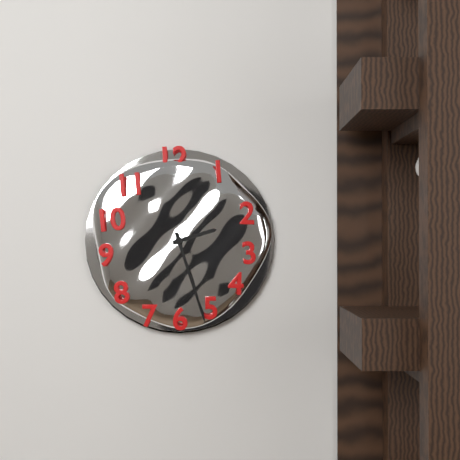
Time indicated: 2:27
